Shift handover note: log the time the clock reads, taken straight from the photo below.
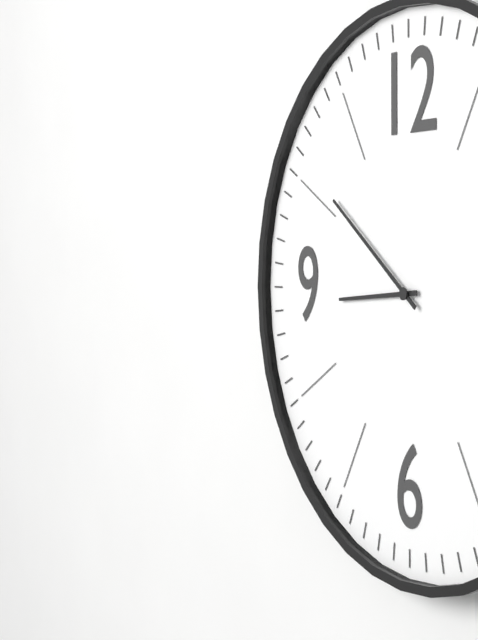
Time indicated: 8:51
